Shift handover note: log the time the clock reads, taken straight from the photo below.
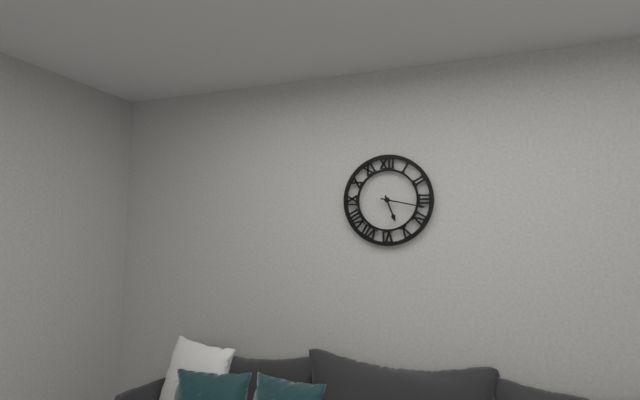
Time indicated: 5:17
